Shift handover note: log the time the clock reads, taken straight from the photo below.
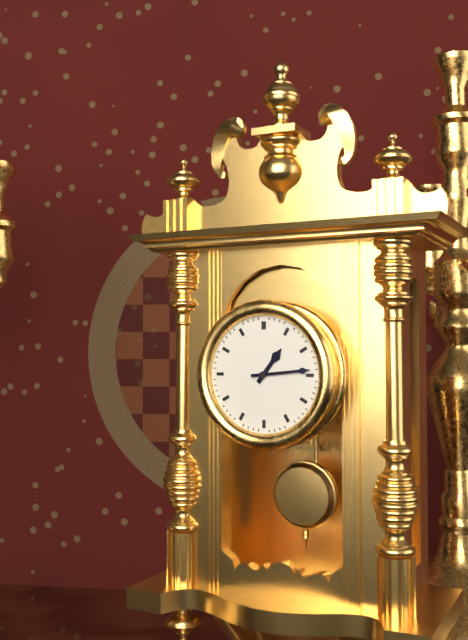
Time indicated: 1:14
